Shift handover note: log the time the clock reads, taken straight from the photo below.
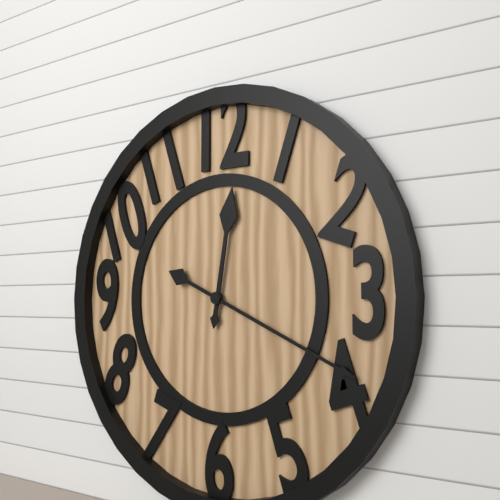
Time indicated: 12:19
